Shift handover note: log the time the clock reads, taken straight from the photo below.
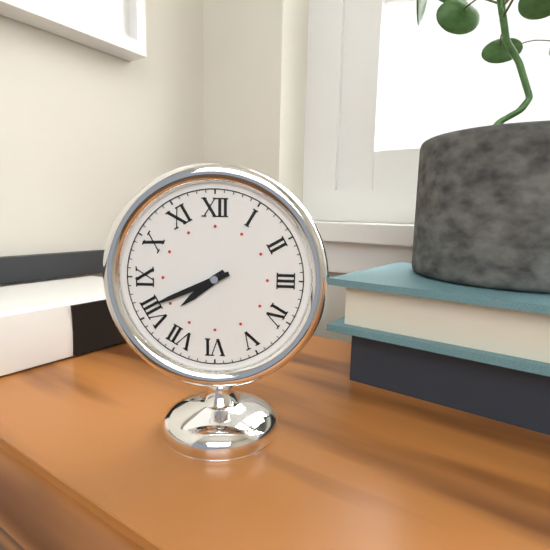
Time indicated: 7:41
